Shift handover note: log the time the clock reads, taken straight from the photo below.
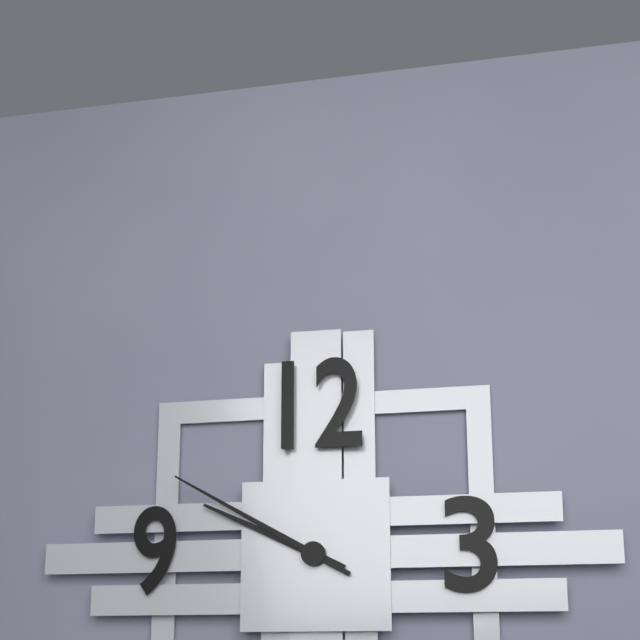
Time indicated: 9:50
